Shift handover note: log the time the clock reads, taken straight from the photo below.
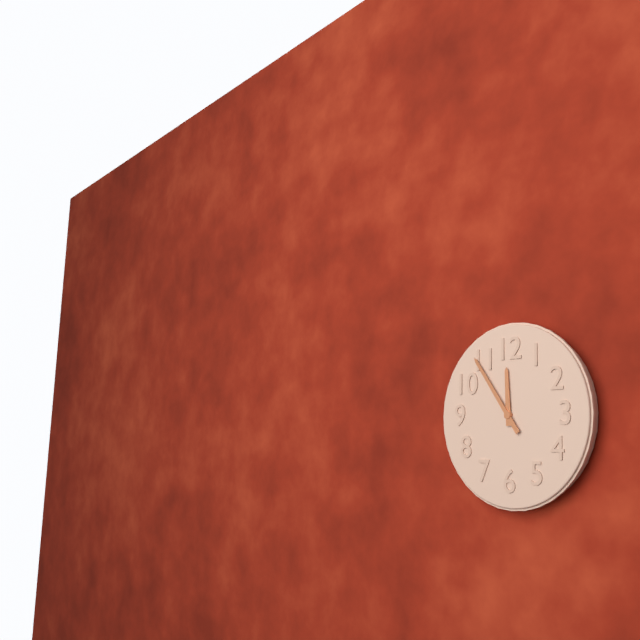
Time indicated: 11:54
